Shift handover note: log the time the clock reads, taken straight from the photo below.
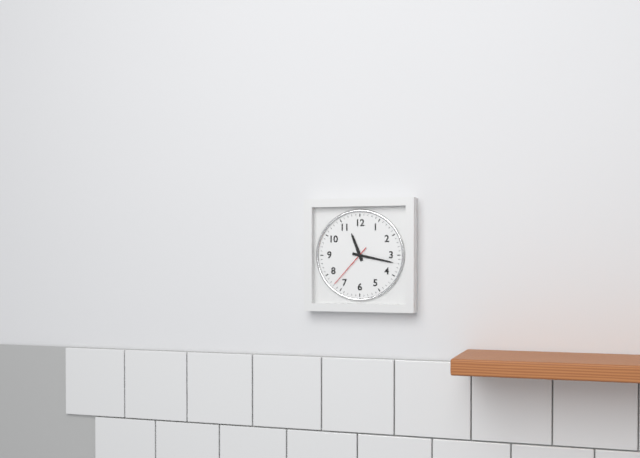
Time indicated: 11:17
